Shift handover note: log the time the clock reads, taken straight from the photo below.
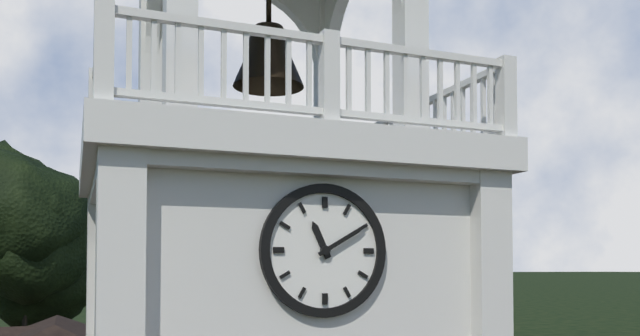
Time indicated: 11:10
